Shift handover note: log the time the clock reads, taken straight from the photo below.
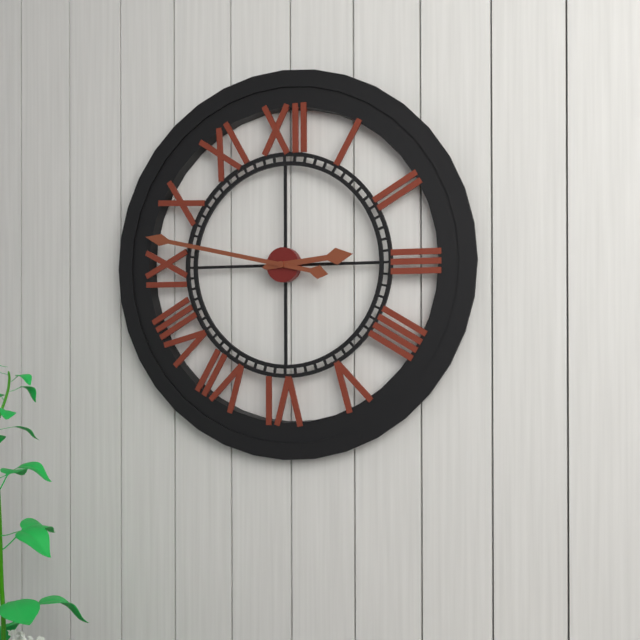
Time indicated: 2:47
